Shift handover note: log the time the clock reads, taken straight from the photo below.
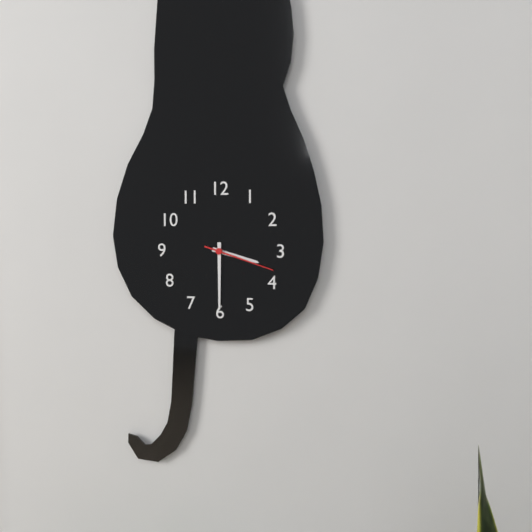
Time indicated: 3:30:18
